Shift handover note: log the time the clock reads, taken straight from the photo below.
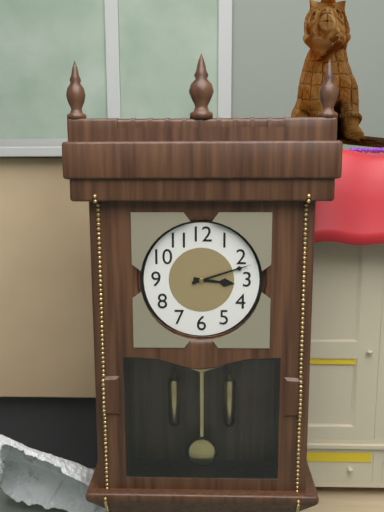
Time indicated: 3:12
